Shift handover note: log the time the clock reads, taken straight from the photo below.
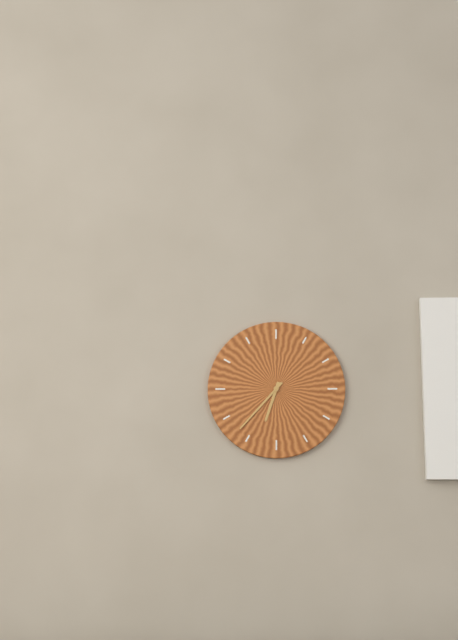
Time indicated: 6:37
